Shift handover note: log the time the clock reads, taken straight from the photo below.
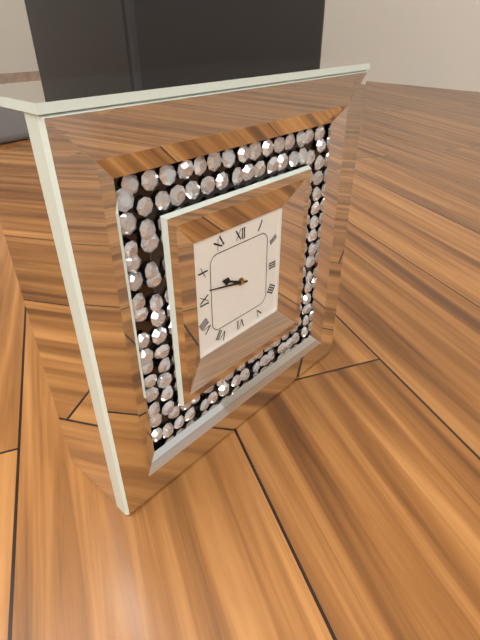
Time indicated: 9:47
